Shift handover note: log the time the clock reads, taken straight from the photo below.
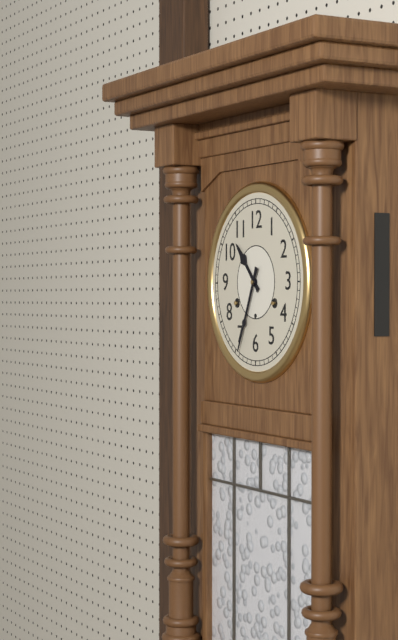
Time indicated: 10:34
